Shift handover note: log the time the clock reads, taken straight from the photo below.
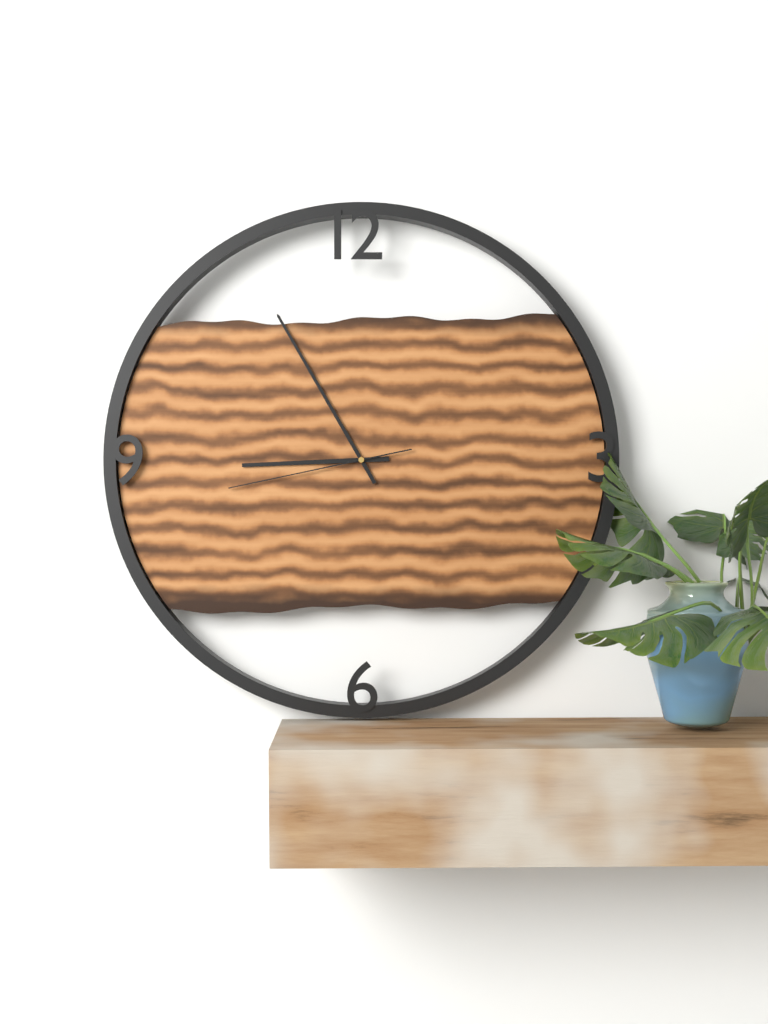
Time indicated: 8:55:43
